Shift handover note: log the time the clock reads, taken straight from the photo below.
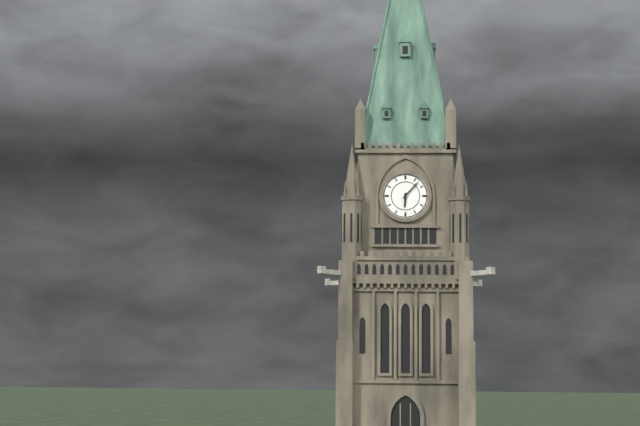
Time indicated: 6:07
